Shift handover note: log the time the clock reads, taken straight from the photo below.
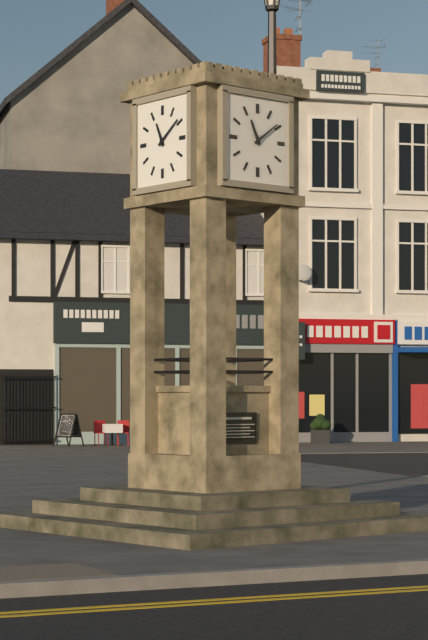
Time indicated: 11:09
